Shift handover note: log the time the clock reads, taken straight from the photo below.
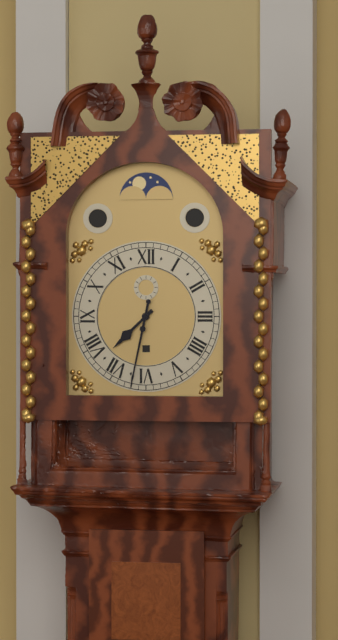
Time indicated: 7:32
